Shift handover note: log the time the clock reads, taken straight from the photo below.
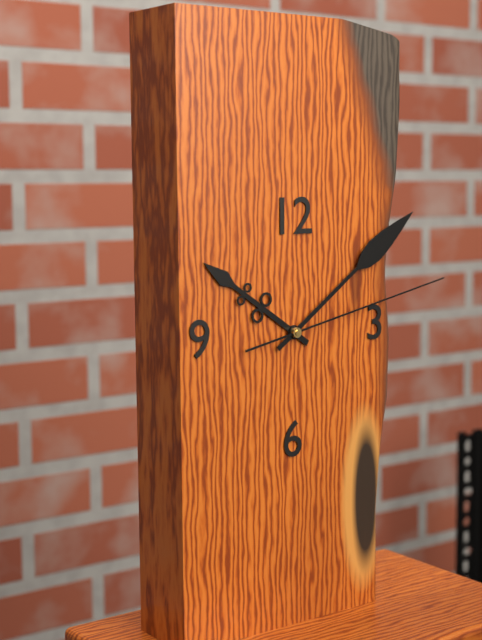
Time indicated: 10:09:13
